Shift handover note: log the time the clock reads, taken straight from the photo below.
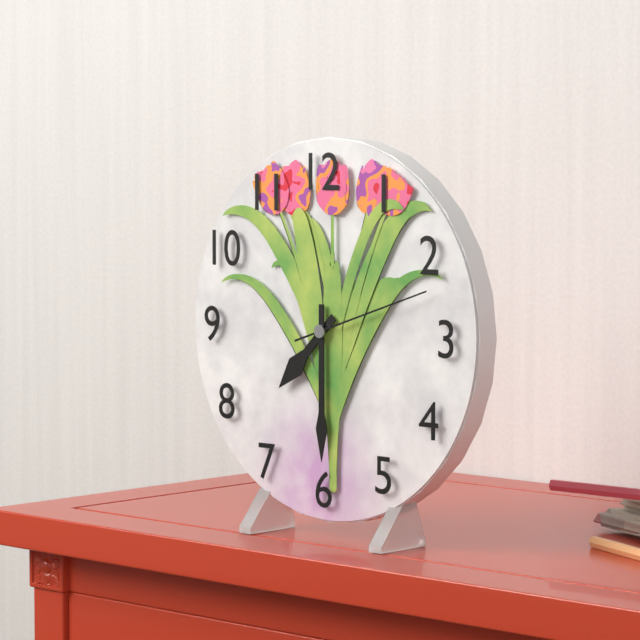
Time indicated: 7:30:12
